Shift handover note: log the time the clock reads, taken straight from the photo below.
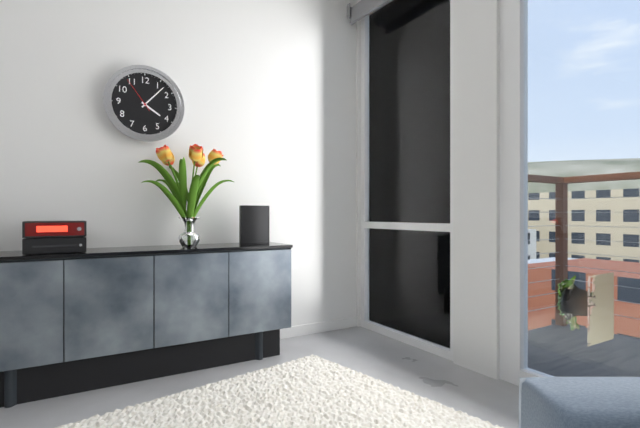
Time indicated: 4:07
